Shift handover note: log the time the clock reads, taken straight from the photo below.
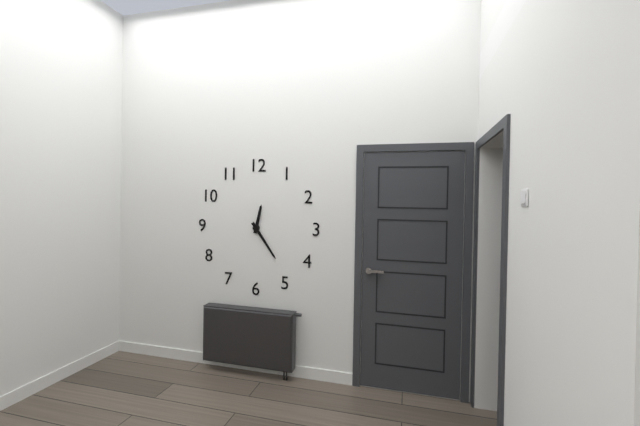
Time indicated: 12:24
